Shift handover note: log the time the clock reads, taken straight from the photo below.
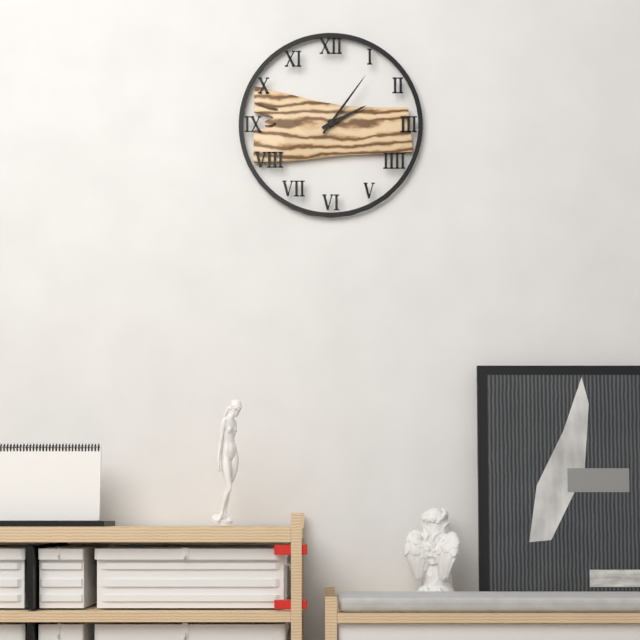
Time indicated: 2:06
